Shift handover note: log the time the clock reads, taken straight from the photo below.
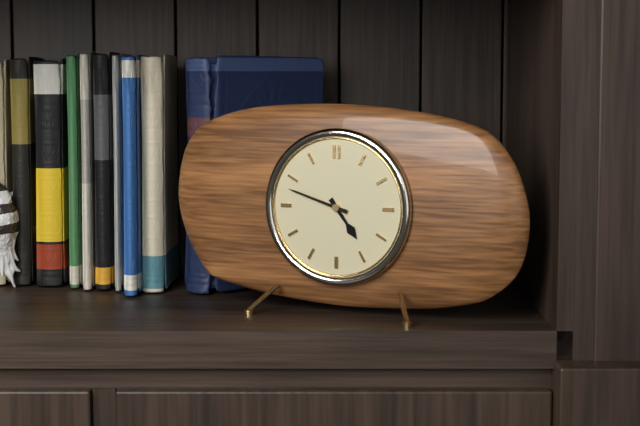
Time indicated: 4:48
